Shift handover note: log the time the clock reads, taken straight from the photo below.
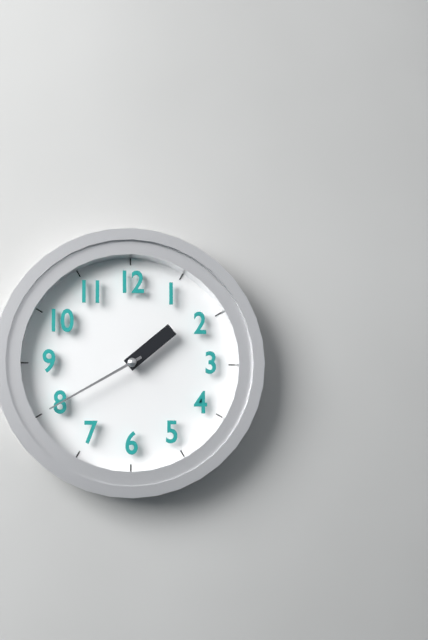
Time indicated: 1:40
